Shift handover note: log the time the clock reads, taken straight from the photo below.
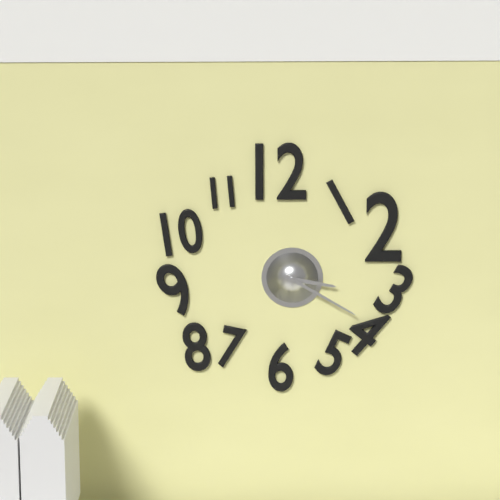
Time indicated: 3:20
